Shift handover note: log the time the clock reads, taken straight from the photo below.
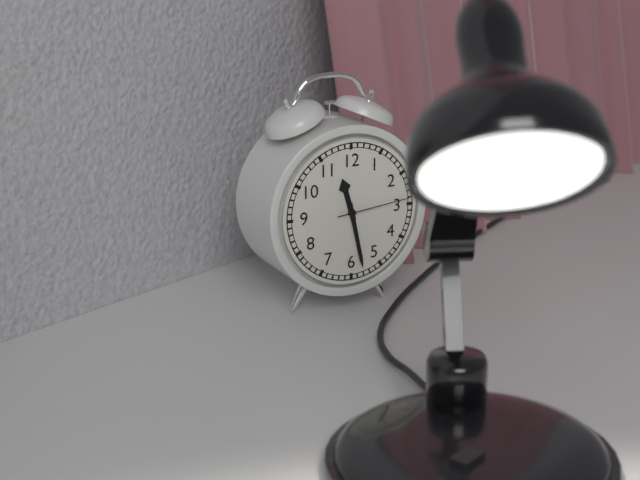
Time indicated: 11:28:14
